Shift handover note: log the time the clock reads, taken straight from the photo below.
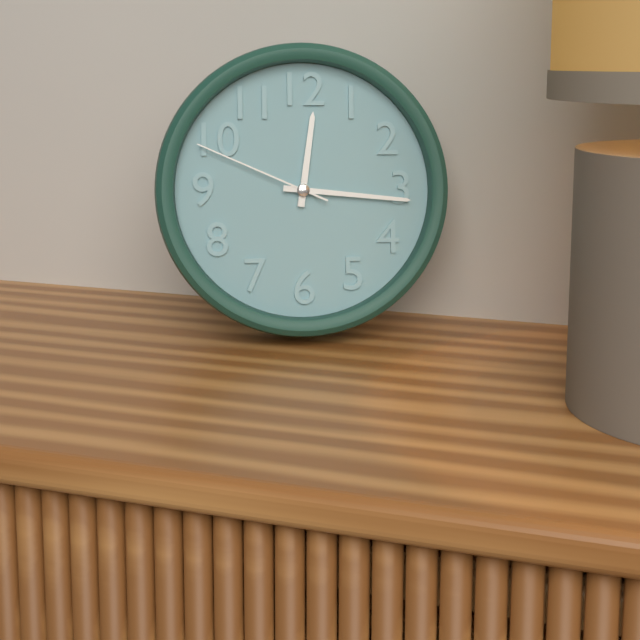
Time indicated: 12:16:49
